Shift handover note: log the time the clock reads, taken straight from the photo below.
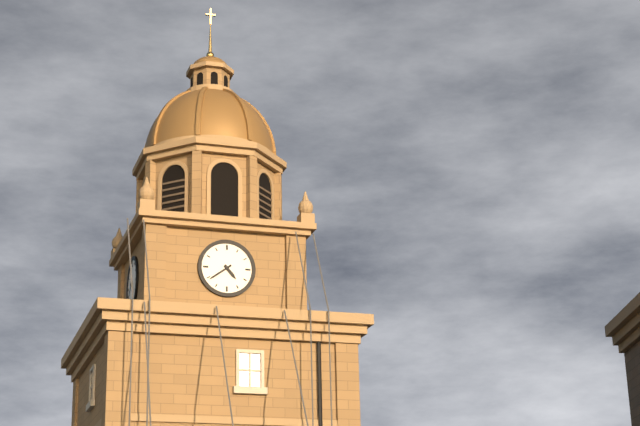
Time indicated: 4:39
